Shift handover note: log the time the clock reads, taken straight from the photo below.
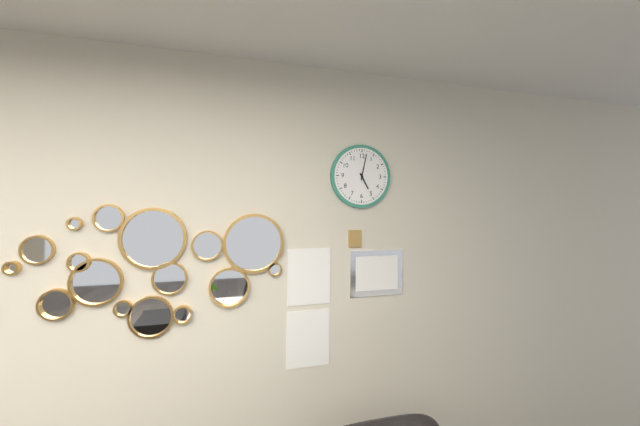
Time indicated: 5:02
